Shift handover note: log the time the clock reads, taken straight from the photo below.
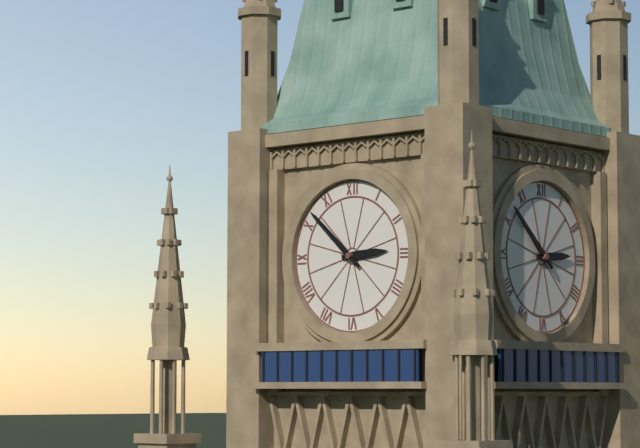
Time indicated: 2:52
